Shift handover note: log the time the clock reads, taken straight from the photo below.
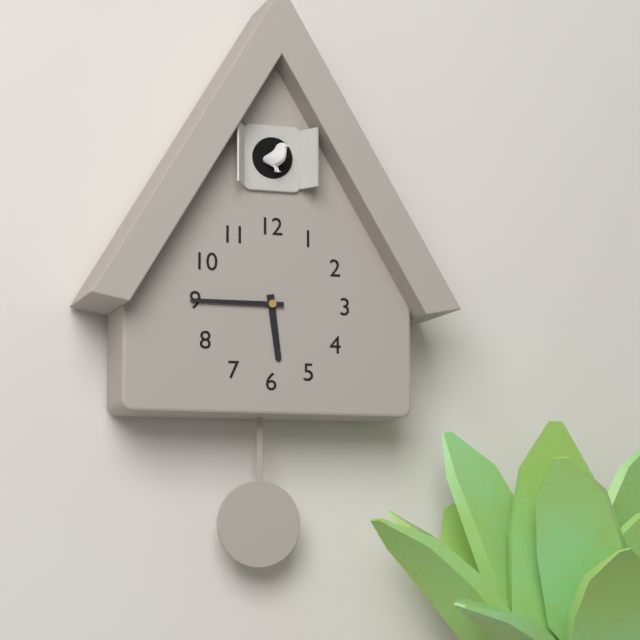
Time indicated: 5:45
